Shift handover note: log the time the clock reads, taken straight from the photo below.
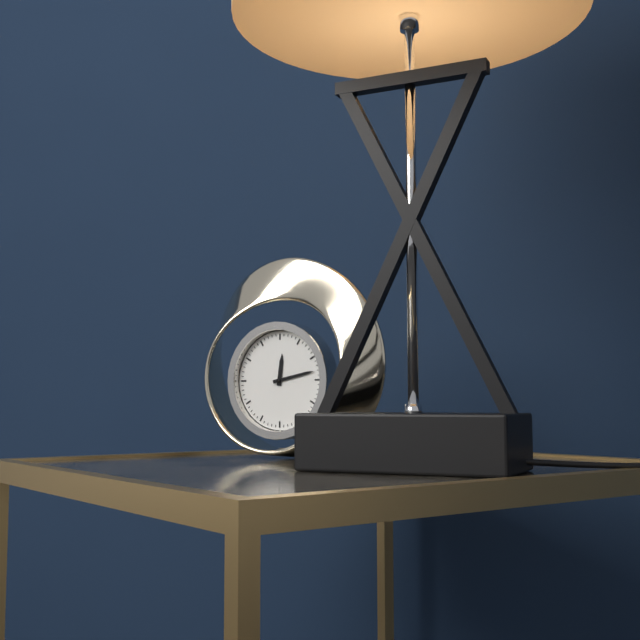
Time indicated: 12:13
